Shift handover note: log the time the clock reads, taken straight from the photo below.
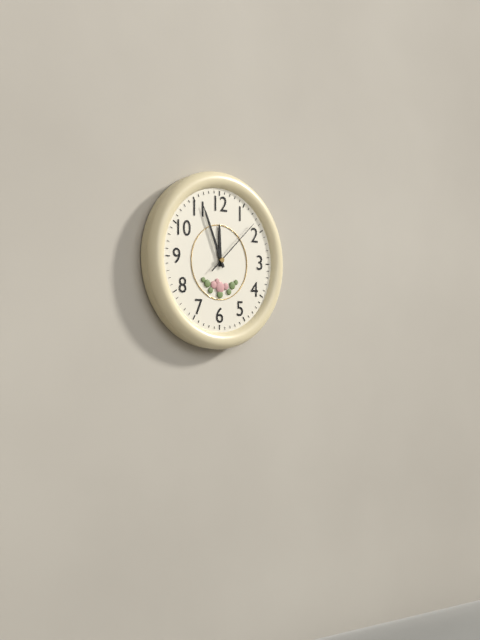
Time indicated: 11:56:08
